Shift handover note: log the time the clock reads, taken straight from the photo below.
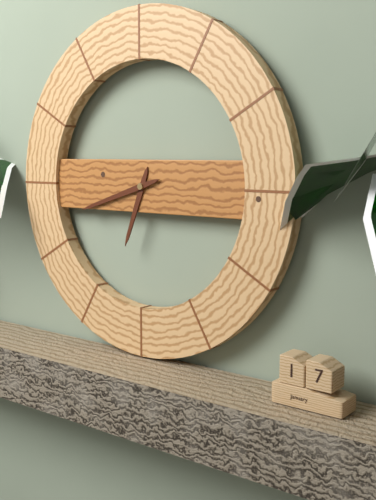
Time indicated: 6:42
